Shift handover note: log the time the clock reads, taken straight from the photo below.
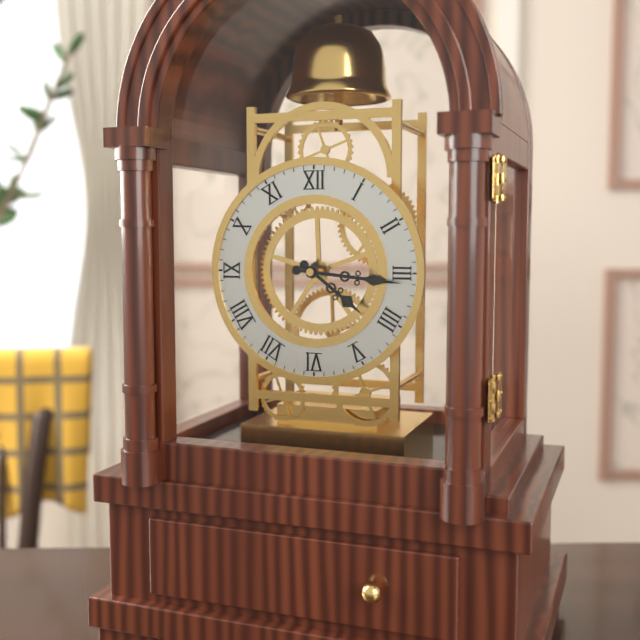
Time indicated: 4:16
